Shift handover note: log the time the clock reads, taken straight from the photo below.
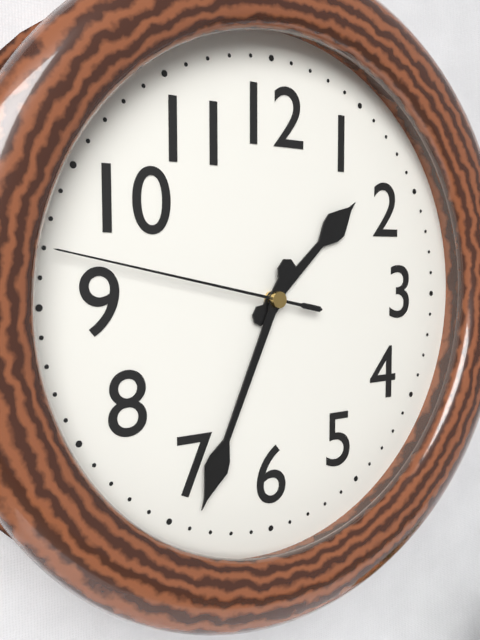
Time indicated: 1:34:47
